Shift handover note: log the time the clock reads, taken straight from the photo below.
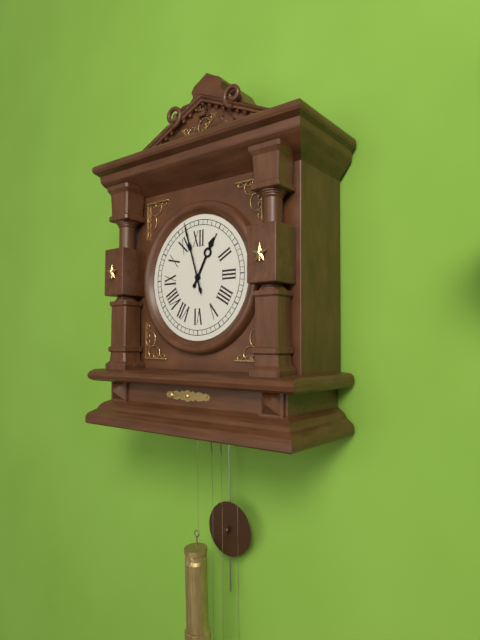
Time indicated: 12:57
